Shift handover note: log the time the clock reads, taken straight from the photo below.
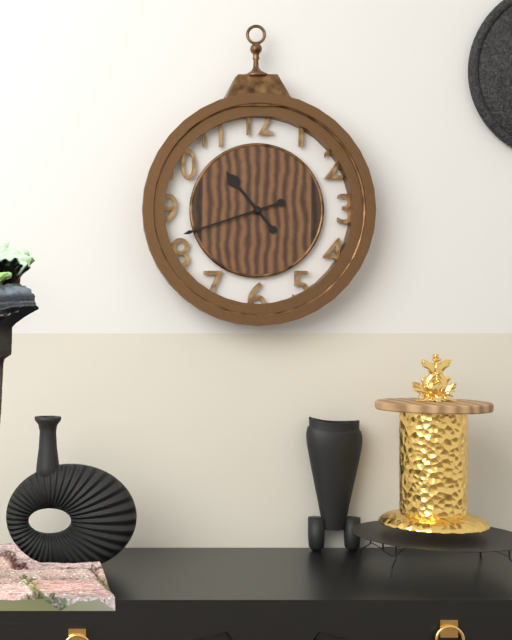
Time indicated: 10:42
